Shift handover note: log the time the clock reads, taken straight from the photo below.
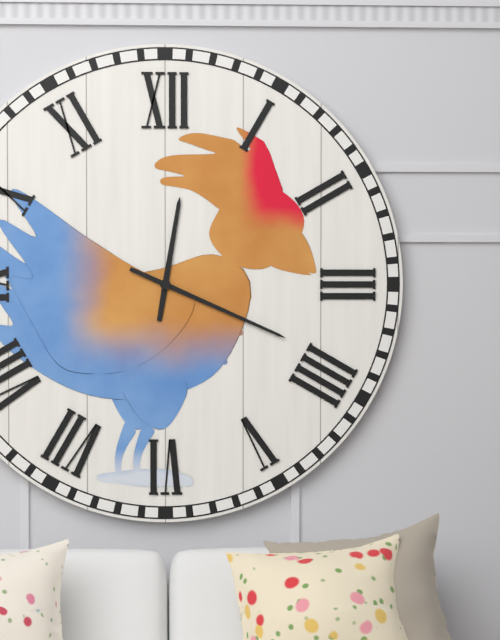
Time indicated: 12:19
